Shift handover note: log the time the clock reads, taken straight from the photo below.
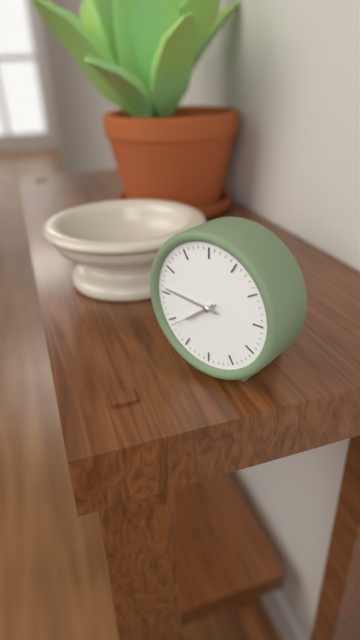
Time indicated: 7:46
